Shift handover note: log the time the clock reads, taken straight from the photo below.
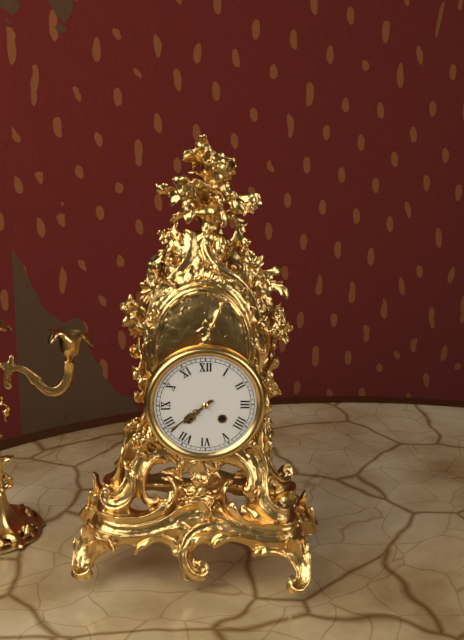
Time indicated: 7:39
